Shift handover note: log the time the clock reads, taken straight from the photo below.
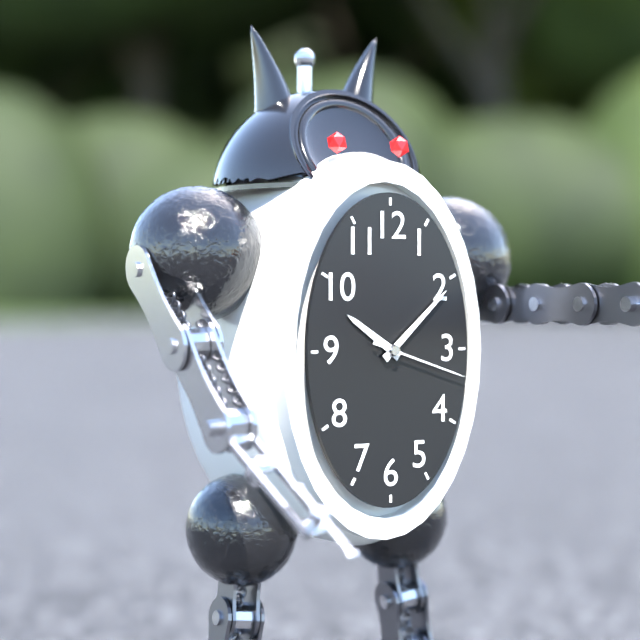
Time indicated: 10:08:18
